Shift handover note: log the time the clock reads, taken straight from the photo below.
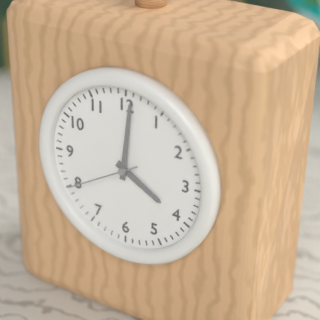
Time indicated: 4:01:40
